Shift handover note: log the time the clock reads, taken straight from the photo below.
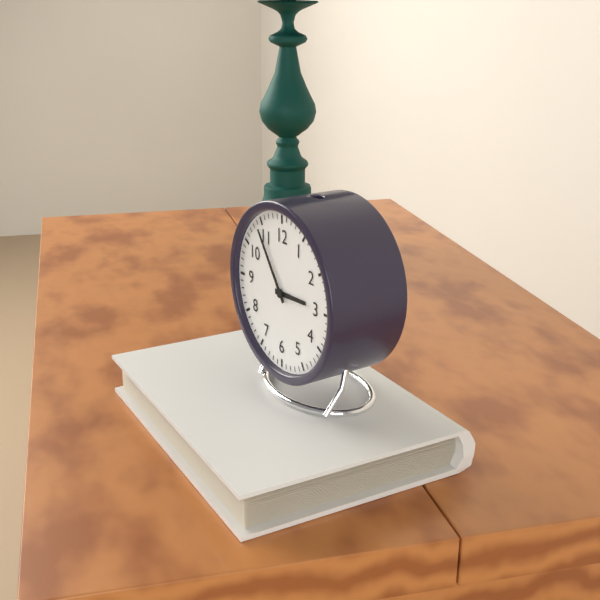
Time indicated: 2:54
